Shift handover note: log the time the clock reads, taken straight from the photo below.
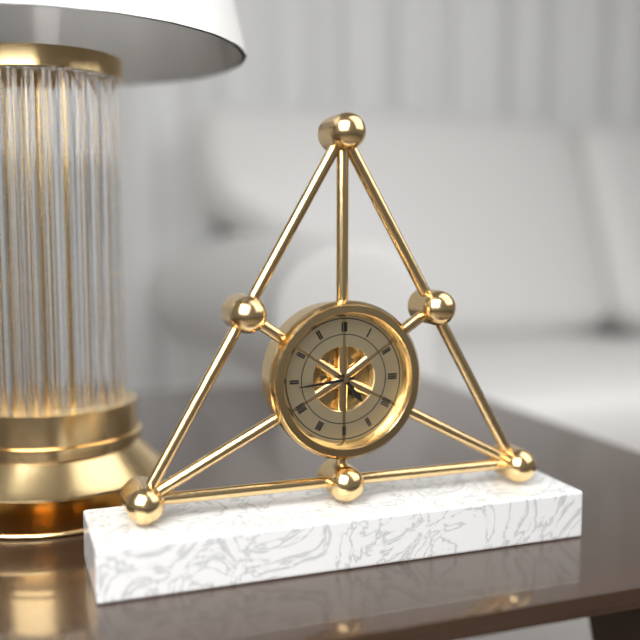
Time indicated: 4:44
